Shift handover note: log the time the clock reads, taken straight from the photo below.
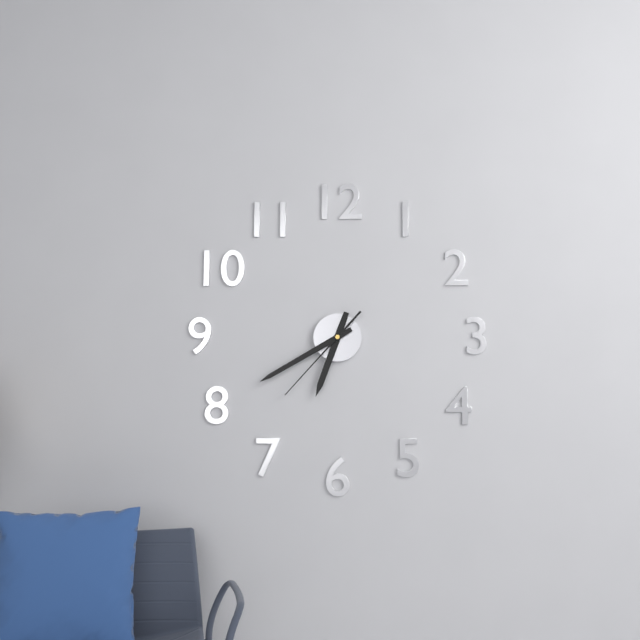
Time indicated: 6:40:37
